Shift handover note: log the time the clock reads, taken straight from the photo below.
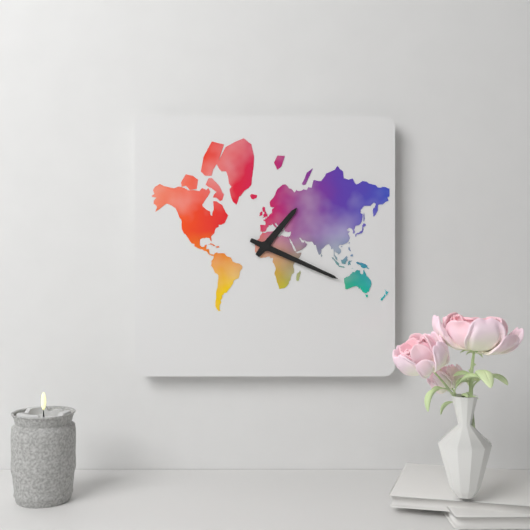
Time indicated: 1:19
